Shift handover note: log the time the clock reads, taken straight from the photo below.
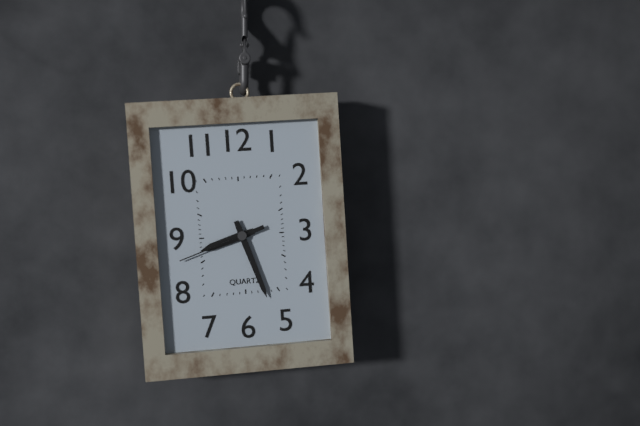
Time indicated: 8:27:42
